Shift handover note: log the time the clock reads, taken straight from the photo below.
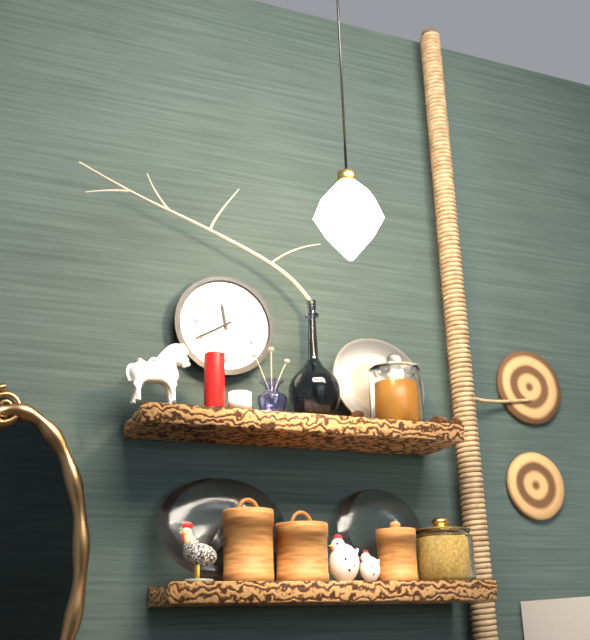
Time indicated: 11:40
